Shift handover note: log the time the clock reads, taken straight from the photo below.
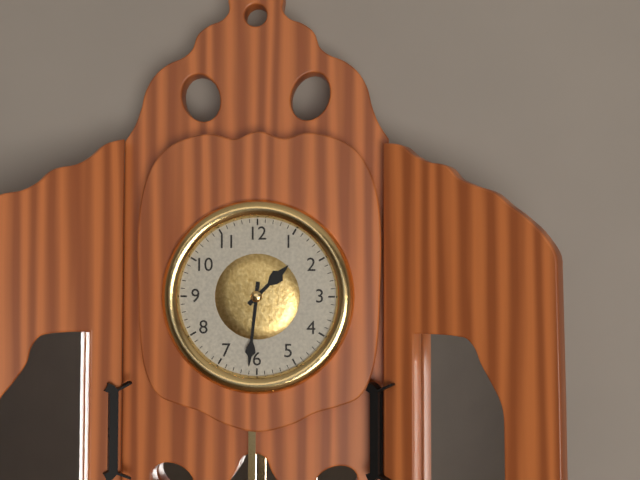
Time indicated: 1:31
